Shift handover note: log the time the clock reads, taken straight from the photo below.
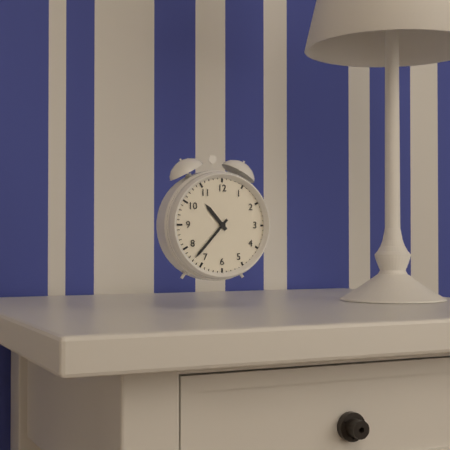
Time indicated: 10:37
